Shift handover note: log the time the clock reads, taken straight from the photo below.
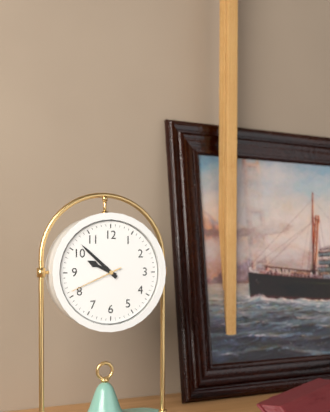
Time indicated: 9:52:41
